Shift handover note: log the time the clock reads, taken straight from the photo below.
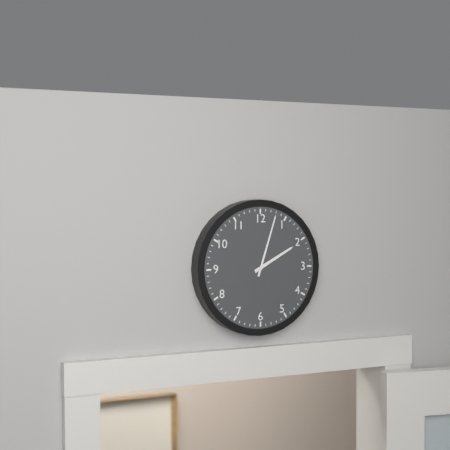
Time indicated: 2:03
